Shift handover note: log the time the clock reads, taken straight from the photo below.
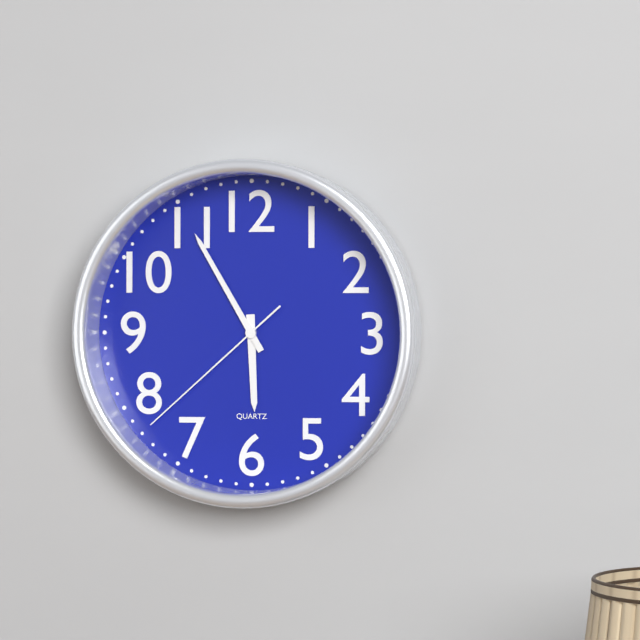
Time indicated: 5:55:38
